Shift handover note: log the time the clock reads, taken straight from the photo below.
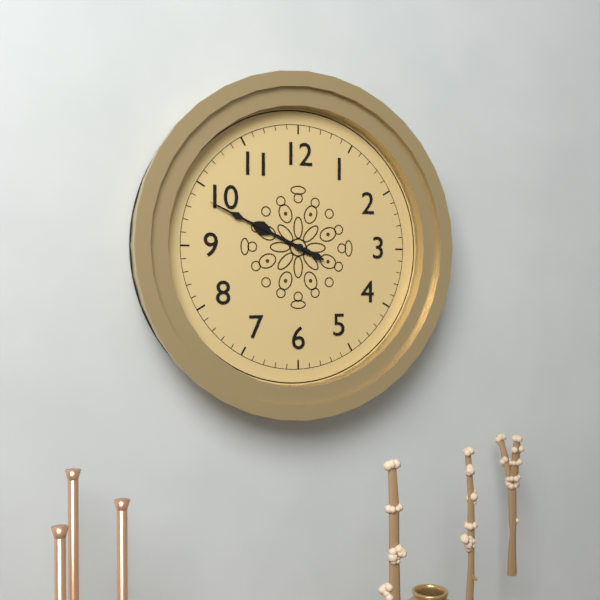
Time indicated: 9:49
